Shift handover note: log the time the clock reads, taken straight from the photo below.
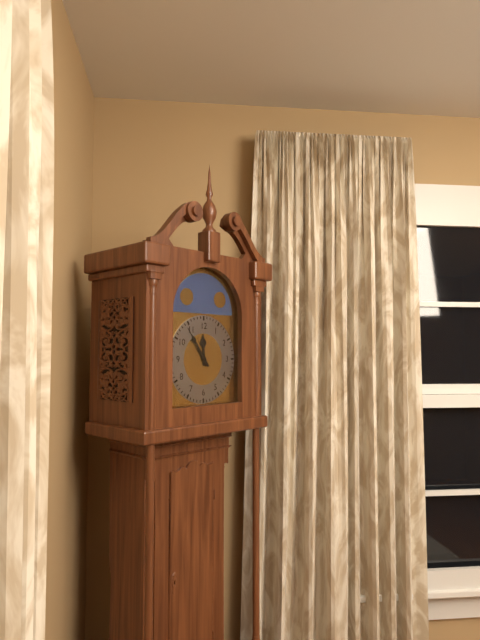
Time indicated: 11:54
